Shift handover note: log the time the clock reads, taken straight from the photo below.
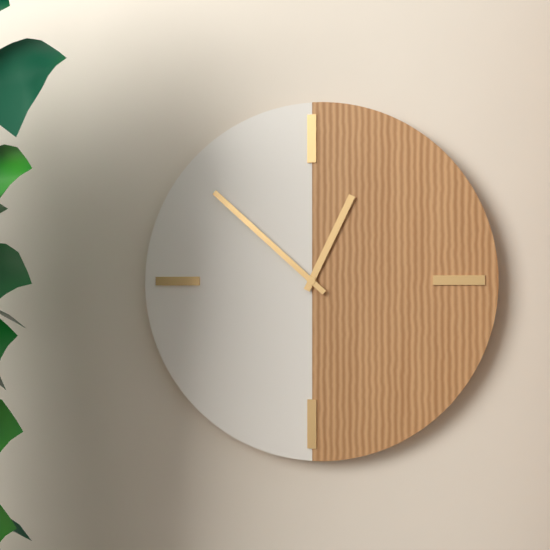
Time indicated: 12:52
